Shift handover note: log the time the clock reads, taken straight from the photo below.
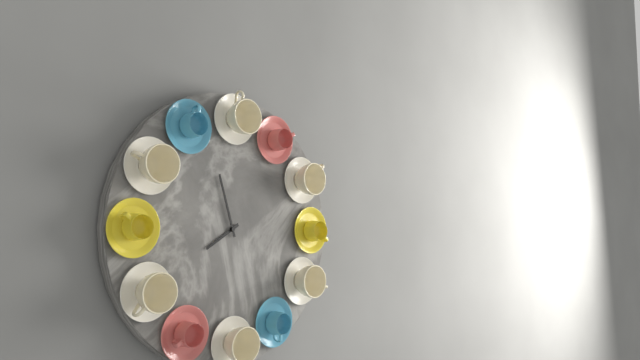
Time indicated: 7:57
